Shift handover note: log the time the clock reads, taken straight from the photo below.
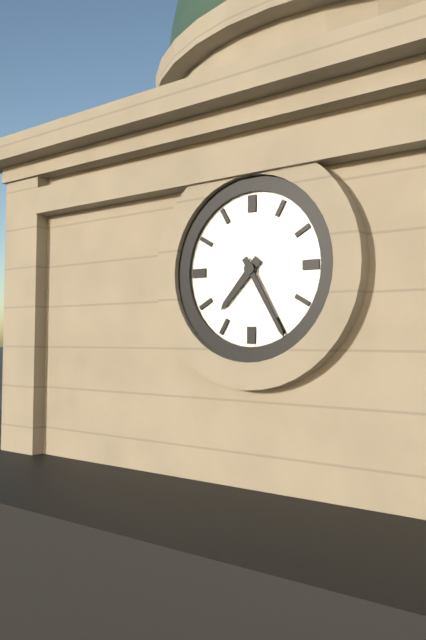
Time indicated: 7:25
